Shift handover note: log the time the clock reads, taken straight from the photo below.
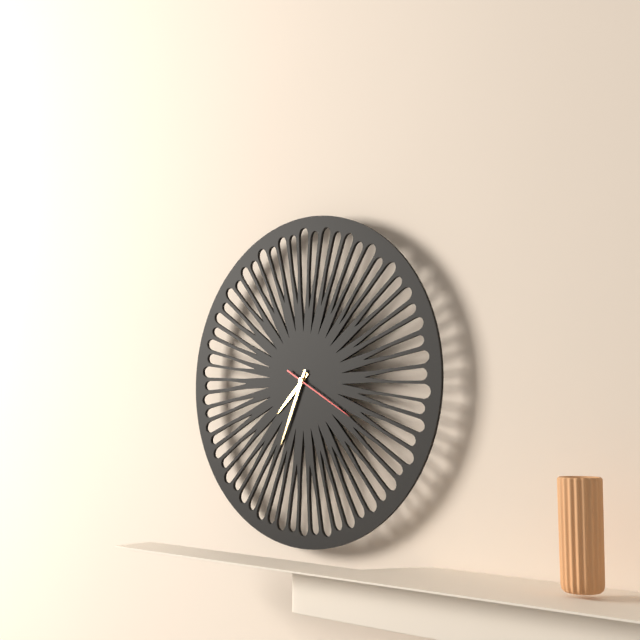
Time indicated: 7:34:20
